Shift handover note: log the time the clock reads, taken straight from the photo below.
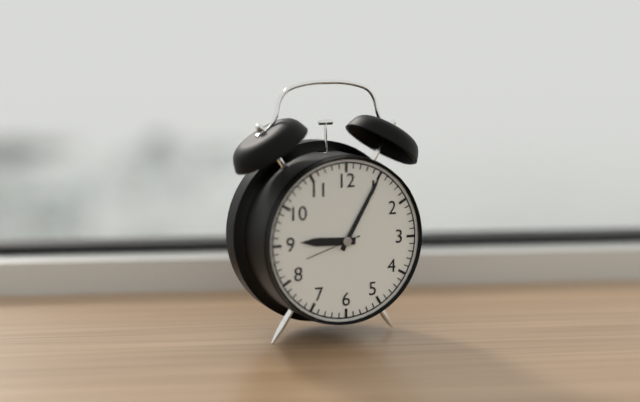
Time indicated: 9:05
